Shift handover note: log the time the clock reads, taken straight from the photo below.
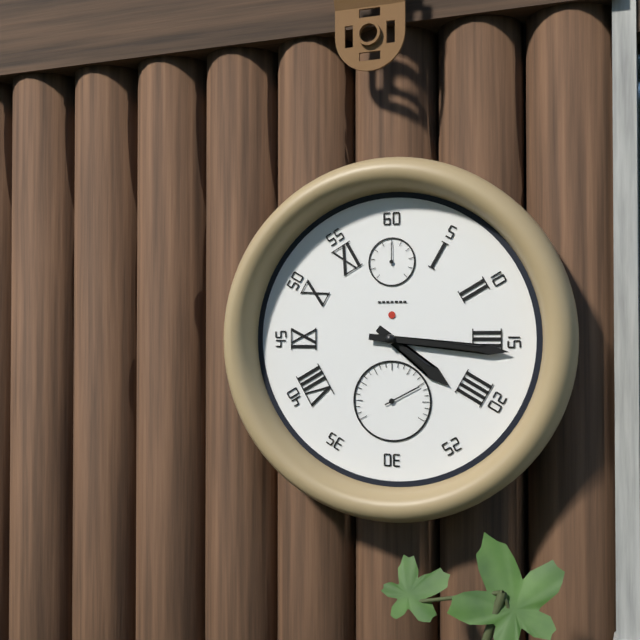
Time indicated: 4:16
